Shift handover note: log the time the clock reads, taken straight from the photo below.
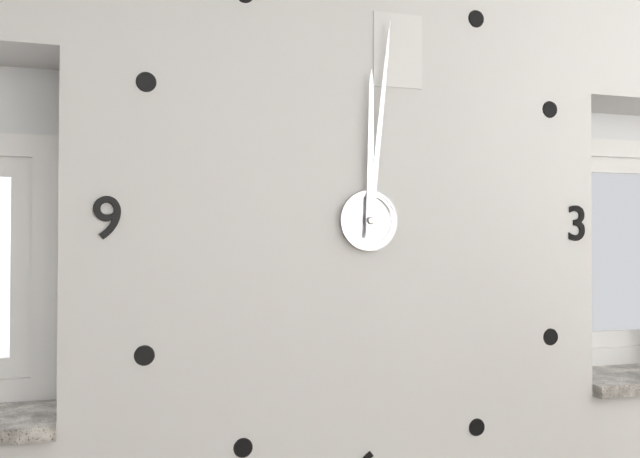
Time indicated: 12:01
